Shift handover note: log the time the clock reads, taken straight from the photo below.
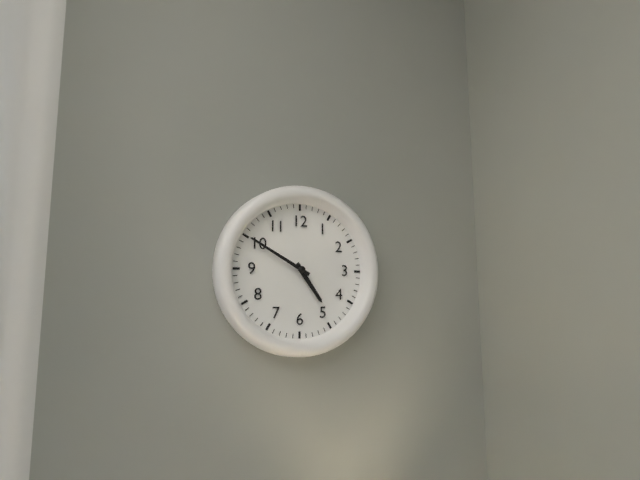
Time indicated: 4:50
